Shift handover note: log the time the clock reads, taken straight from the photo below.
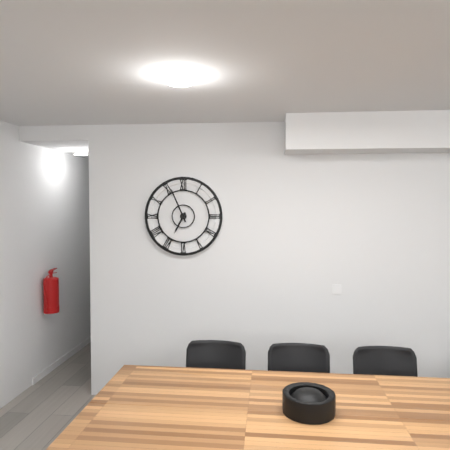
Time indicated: 6:56
